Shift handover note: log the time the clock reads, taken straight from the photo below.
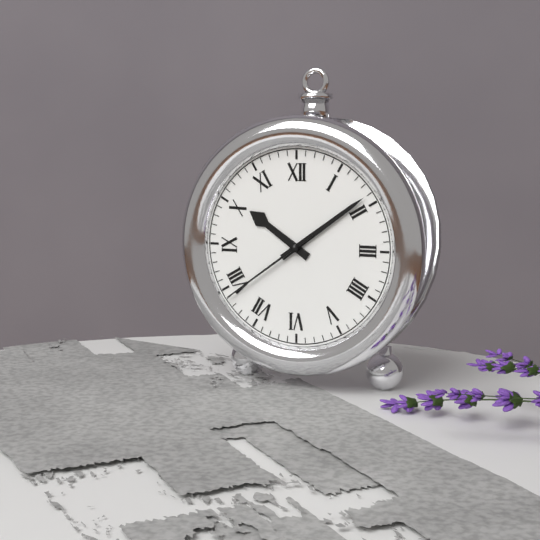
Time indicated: 10:09:39
